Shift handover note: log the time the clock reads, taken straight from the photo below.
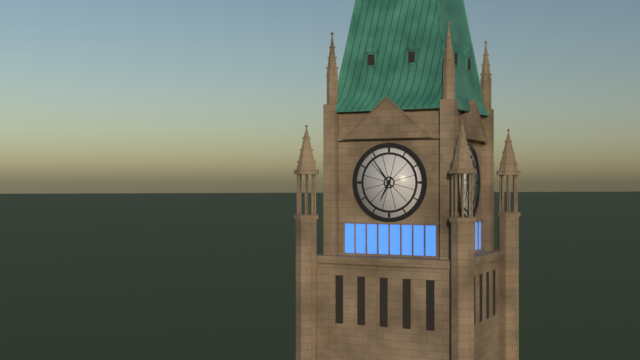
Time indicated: 6:54
